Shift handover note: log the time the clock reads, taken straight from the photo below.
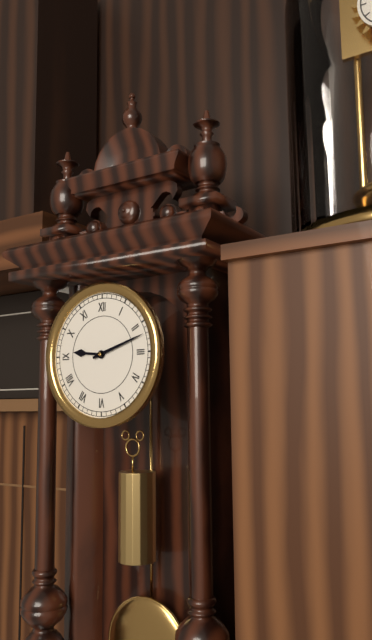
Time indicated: 9:12
